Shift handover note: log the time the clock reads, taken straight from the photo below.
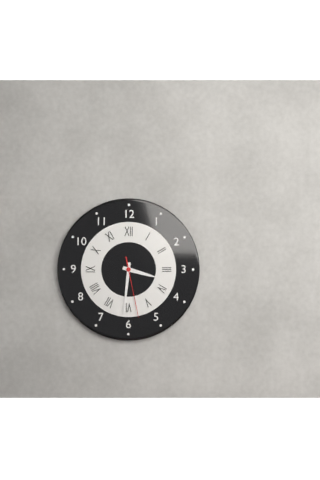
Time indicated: 3:31:28
